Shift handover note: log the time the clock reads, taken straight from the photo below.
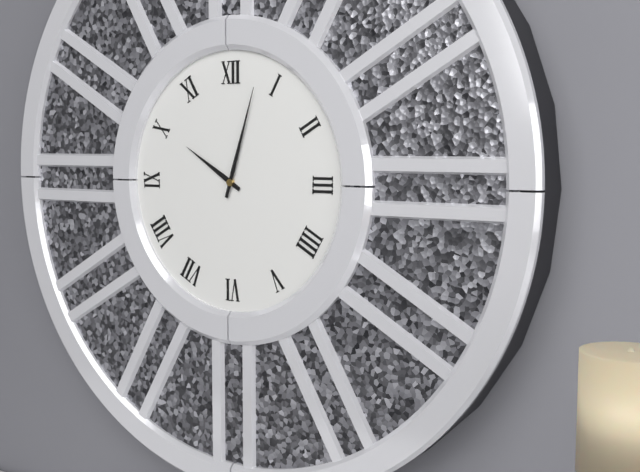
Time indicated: 10:03
